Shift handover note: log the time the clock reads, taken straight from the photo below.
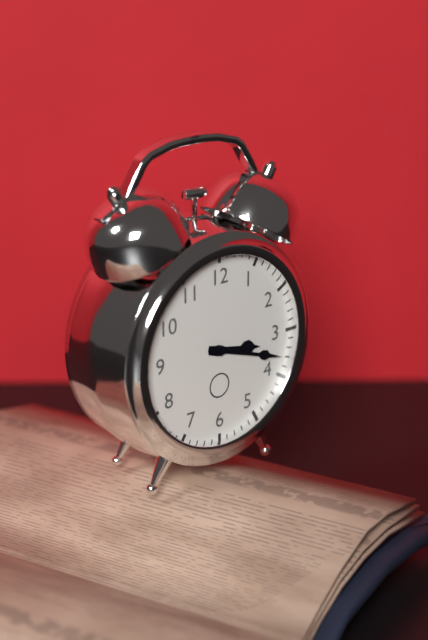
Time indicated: 3:18
